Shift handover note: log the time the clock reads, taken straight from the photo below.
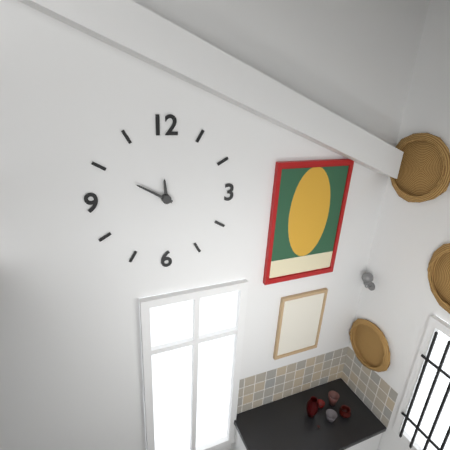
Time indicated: 11:50
